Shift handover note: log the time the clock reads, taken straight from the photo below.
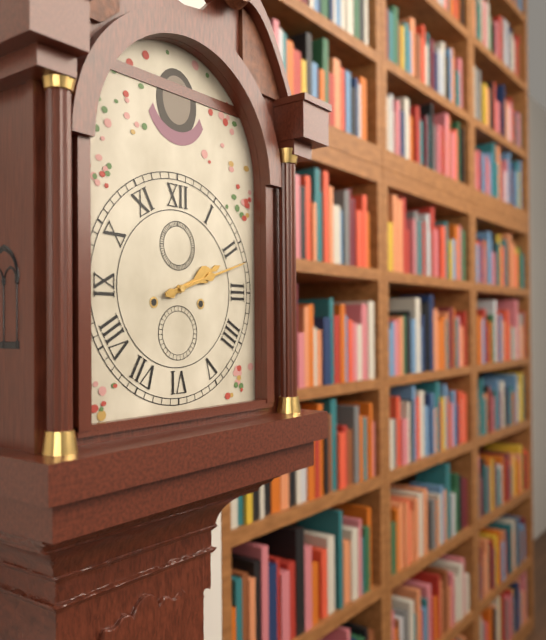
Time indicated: 2:12
